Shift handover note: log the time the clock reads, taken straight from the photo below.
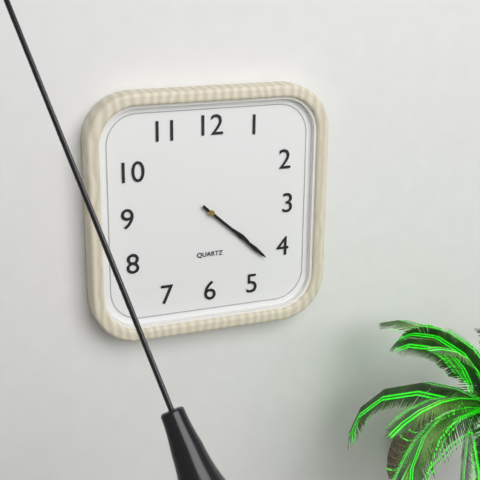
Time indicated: 4:22
